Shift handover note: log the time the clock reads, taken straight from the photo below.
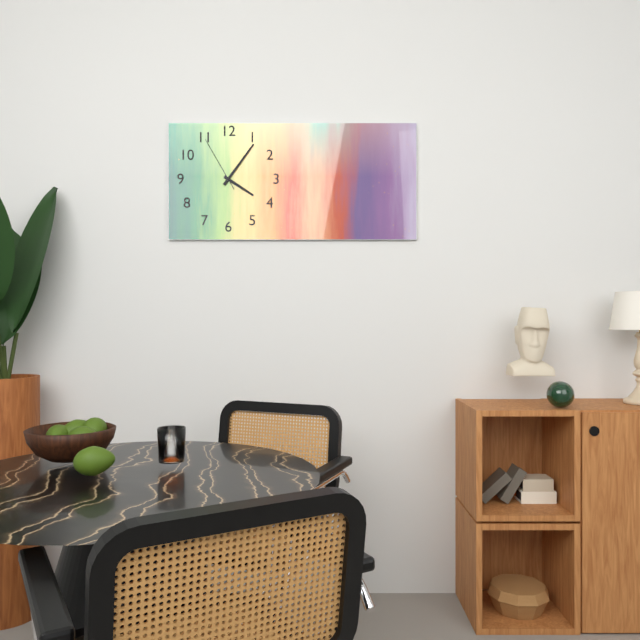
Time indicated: 4:06:55
